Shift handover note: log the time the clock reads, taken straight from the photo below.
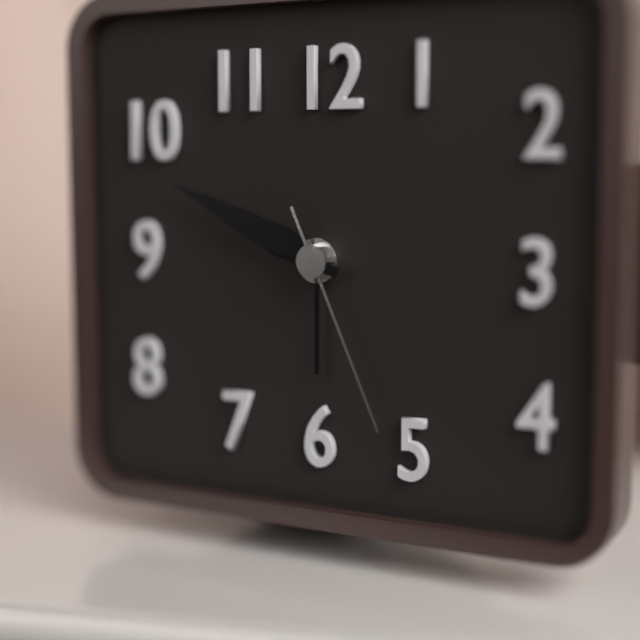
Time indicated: 9:49:26
